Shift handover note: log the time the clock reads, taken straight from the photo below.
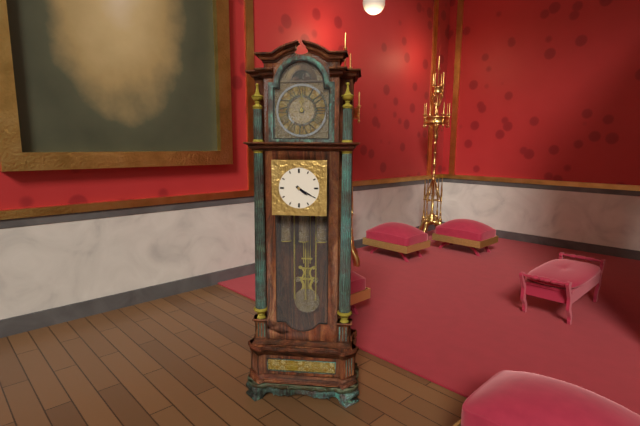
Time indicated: 4:20
